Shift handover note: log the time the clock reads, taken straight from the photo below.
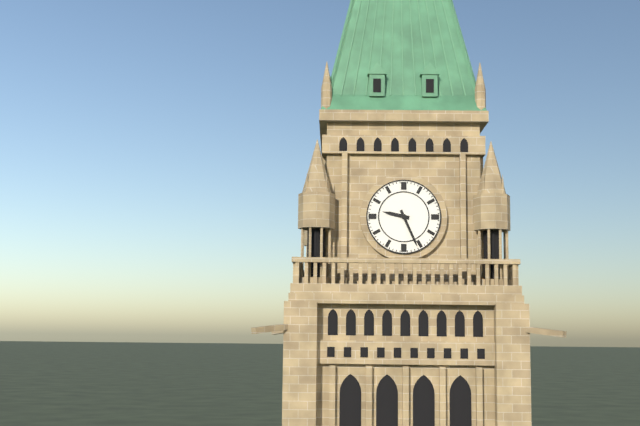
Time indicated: 9:26
